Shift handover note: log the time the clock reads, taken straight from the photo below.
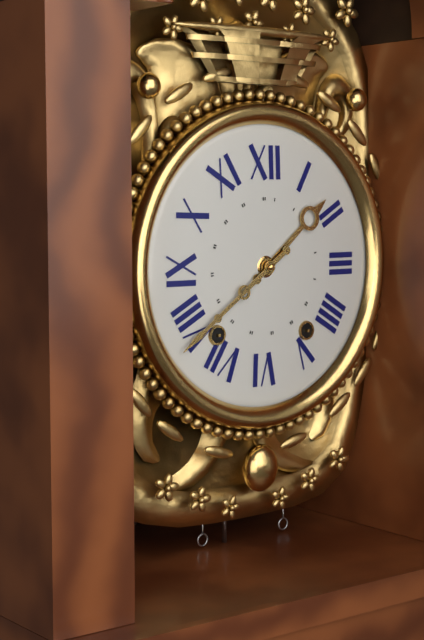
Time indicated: 1:39
